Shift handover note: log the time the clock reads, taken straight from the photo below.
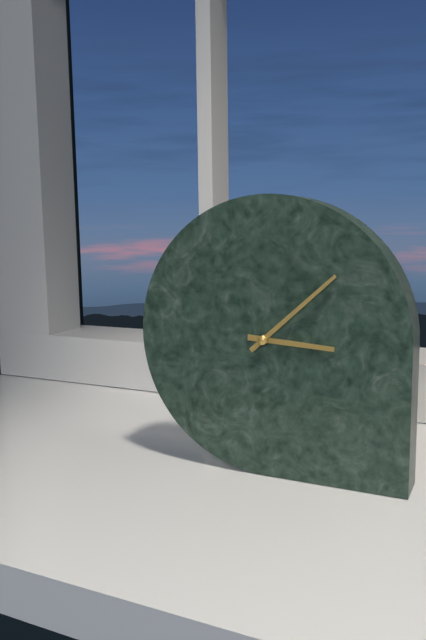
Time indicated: 3:08
